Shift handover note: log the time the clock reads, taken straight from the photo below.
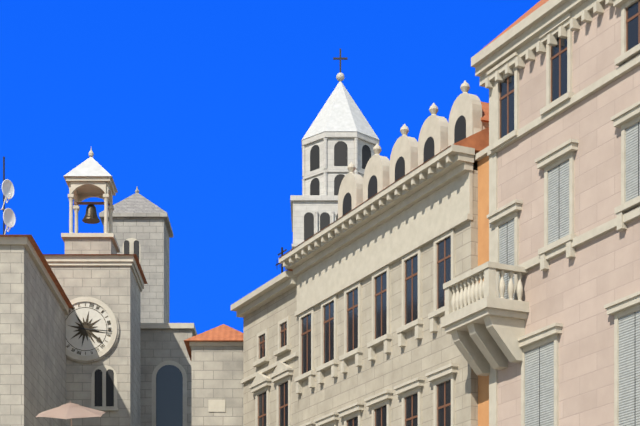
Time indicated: 4:16
